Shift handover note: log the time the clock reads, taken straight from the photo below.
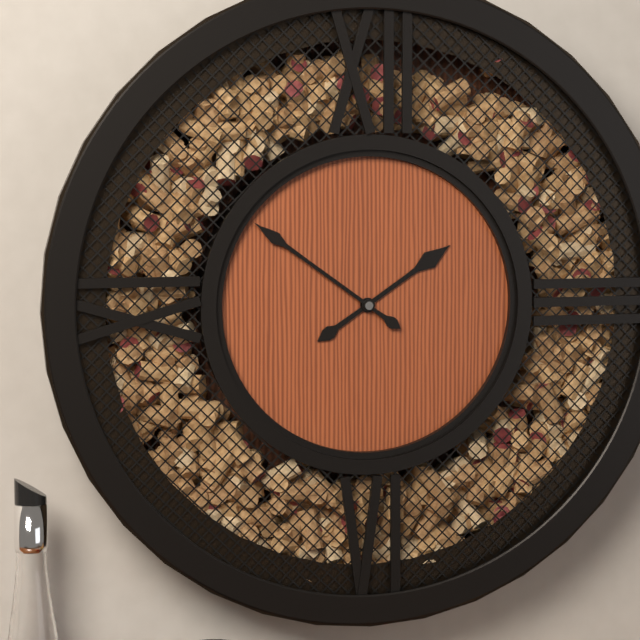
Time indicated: 1:51
